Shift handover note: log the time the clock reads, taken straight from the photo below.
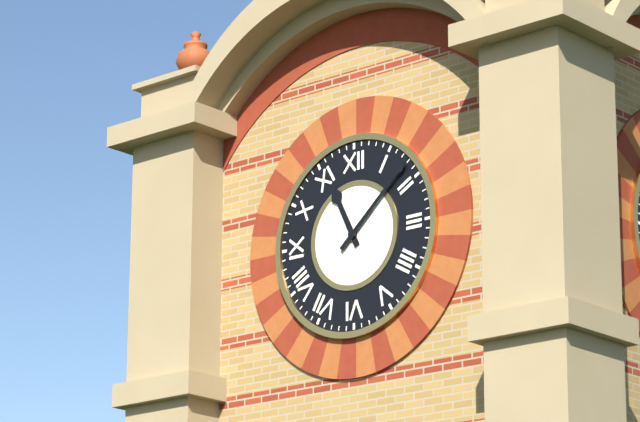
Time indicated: 11:08
